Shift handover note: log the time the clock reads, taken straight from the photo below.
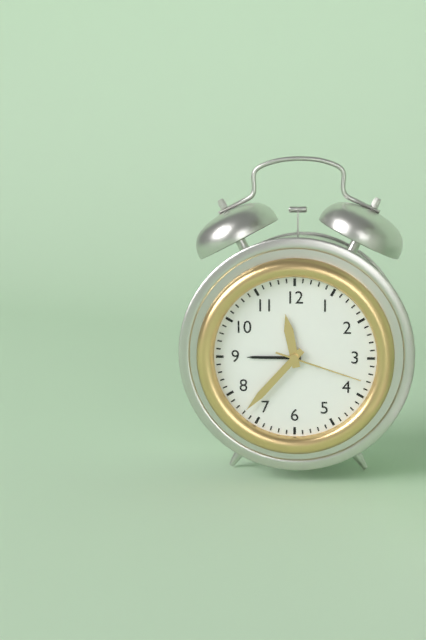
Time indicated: 11:37:18
